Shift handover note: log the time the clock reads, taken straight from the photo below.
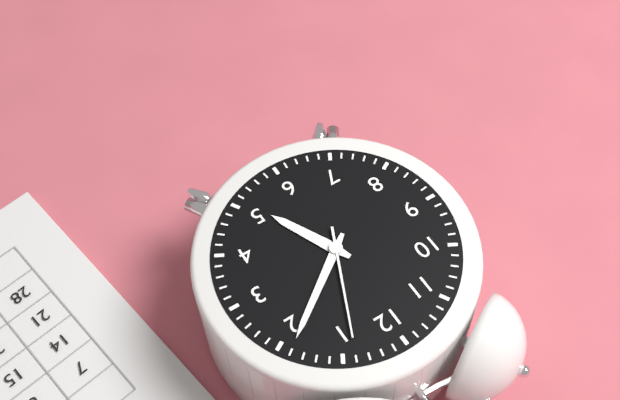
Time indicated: 5:09:04
